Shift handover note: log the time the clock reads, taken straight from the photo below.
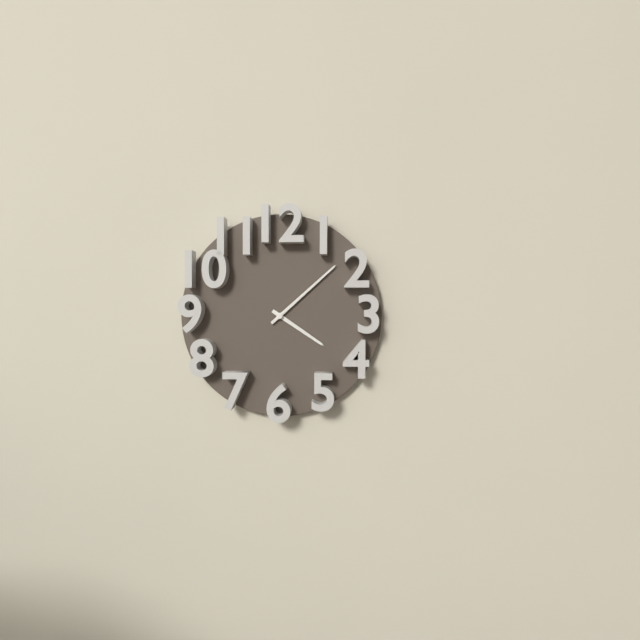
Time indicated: 4:08
